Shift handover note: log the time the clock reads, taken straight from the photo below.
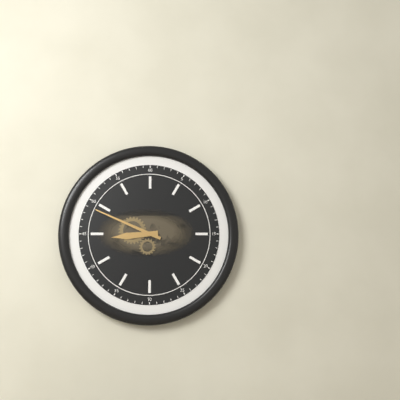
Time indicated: 8:49
